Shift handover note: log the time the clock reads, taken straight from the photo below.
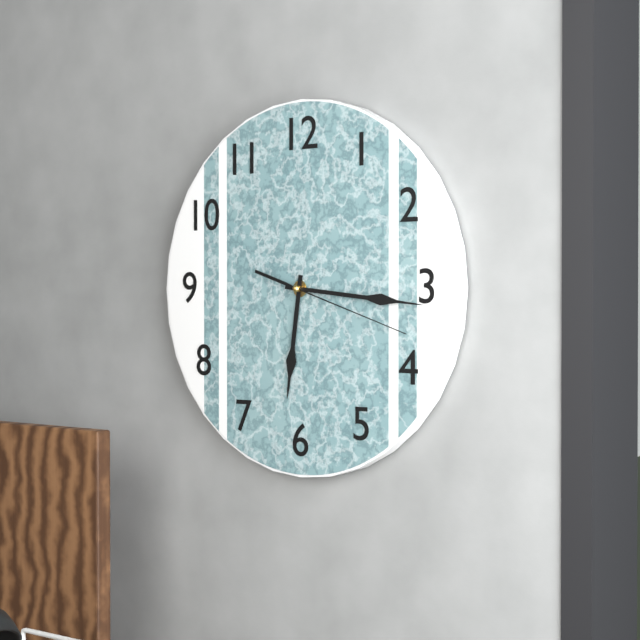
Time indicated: 6:16:18
